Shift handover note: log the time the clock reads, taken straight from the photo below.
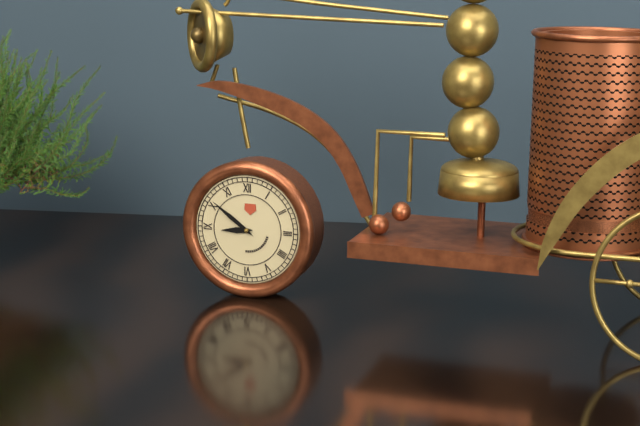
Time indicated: 8:51
